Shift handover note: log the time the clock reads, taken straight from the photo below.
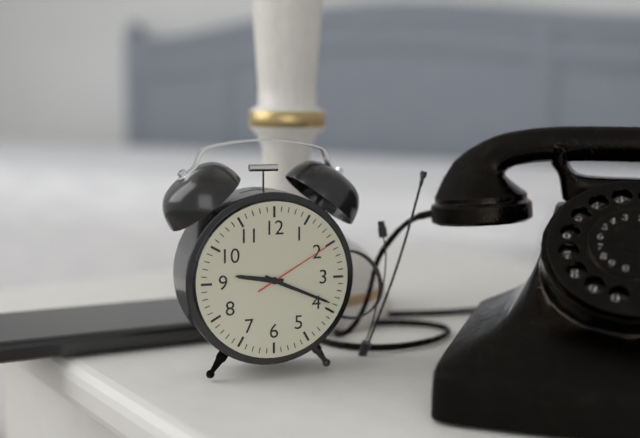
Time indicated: 9:19:10
